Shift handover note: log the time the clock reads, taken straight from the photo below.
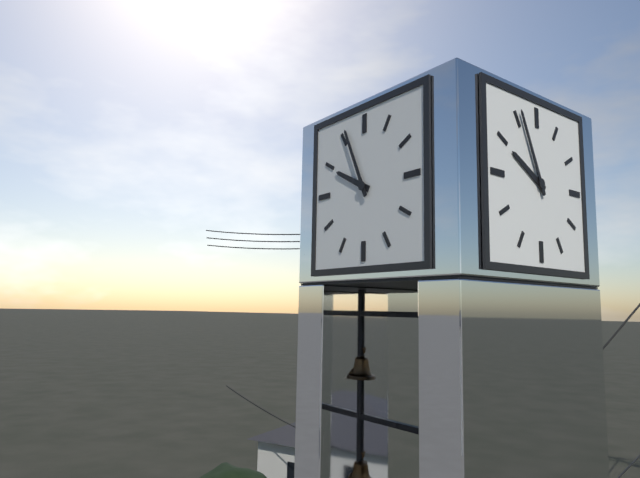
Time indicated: 9:56
